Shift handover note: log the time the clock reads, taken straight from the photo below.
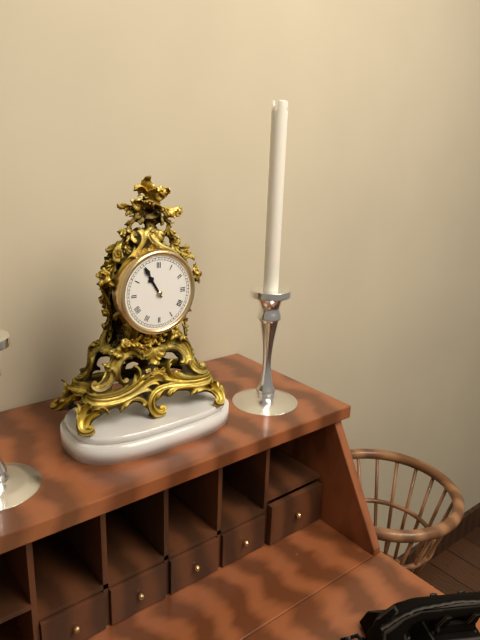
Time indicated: 10:55
